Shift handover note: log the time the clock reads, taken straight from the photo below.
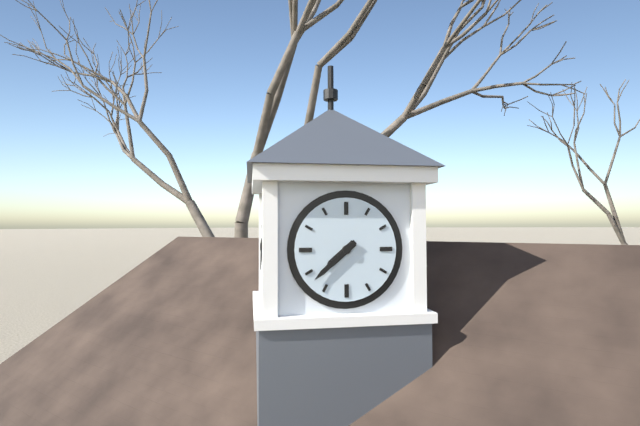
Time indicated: 7:38
